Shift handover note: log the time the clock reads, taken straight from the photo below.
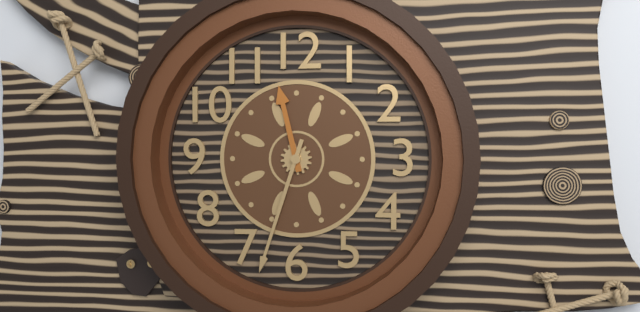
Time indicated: 11:33
